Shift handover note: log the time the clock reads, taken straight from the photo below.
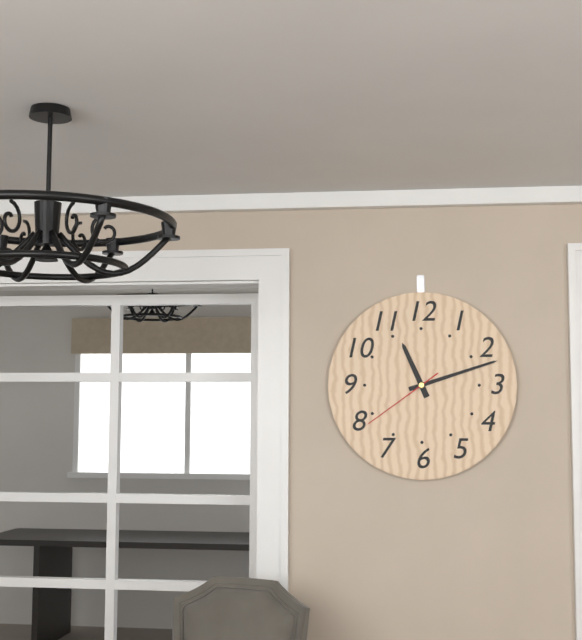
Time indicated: 11:12:39
